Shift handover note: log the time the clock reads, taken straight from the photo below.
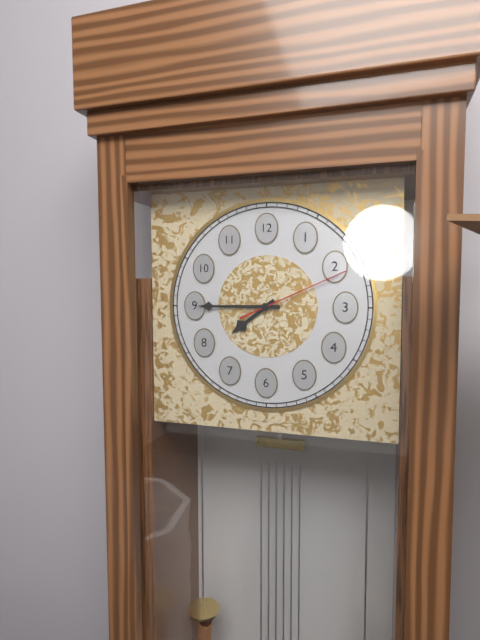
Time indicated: 7:45:11
